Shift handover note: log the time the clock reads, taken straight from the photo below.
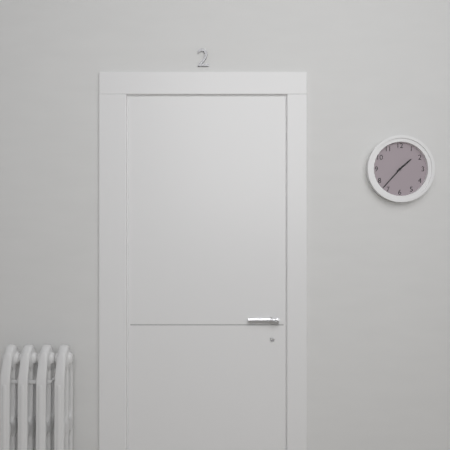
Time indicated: 1:37
